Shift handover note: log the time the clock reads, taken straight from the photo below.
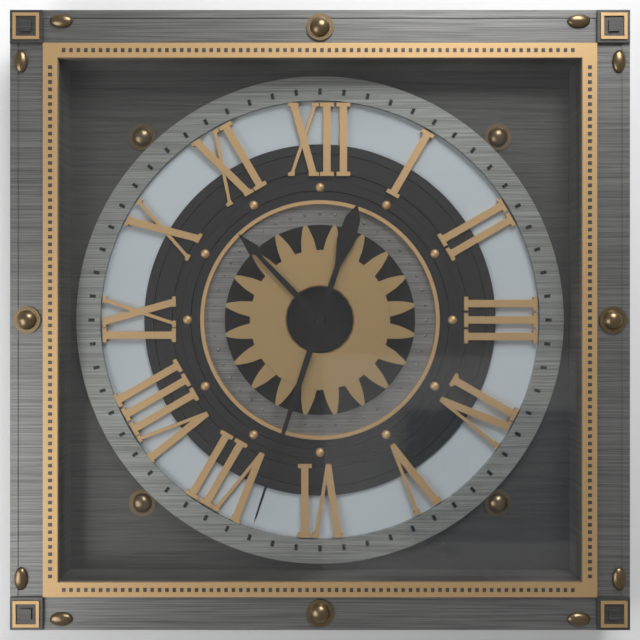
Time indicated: 10:33
